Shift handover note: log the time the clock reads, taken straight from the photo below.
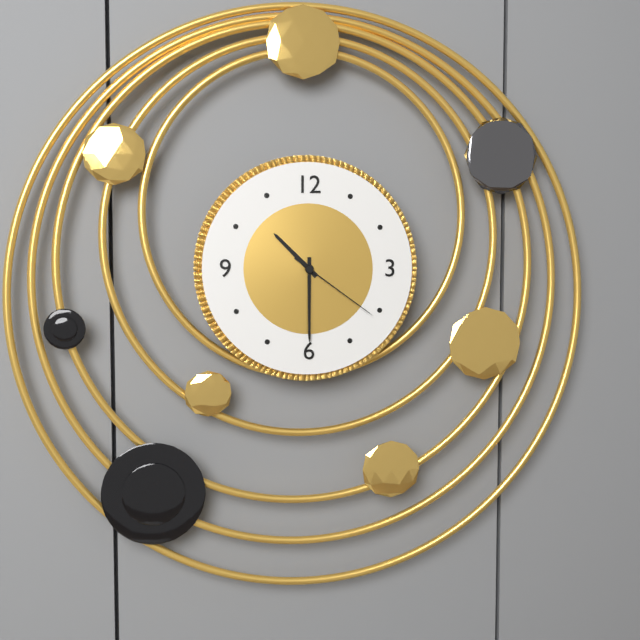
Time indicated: 10:30:21
